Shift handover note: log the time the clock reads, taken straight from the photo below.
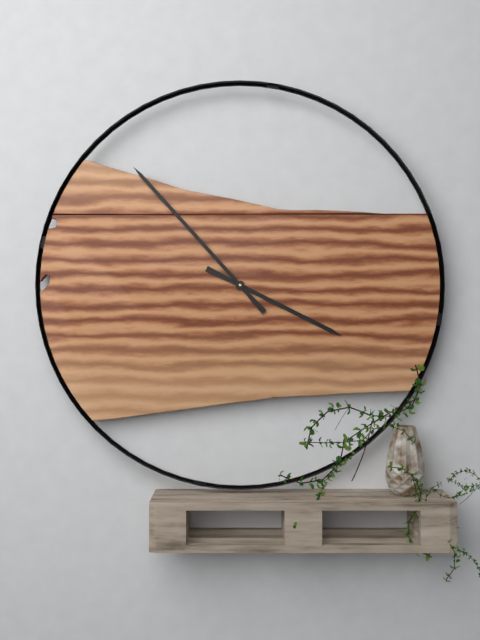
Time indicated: 3:53
